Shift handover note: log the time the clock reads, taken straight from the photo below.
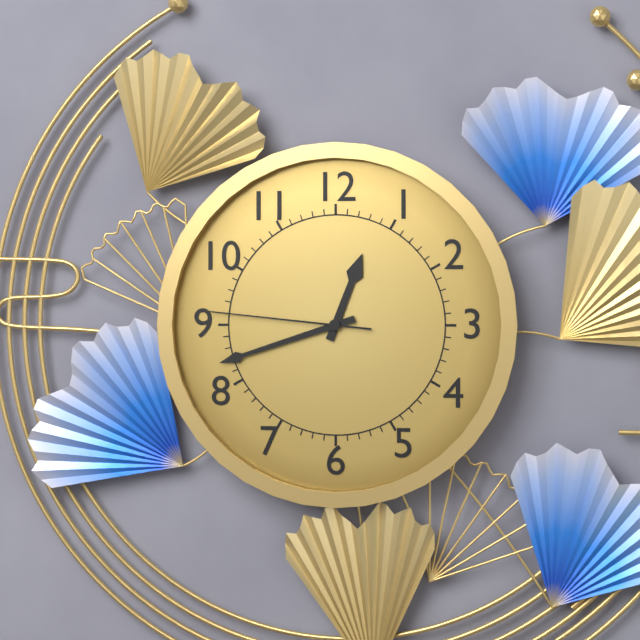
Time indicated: 12:42:46
